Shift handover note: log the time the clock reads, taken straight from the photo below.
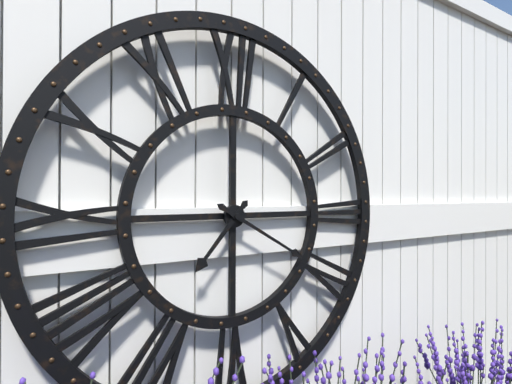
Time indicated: 7:20
